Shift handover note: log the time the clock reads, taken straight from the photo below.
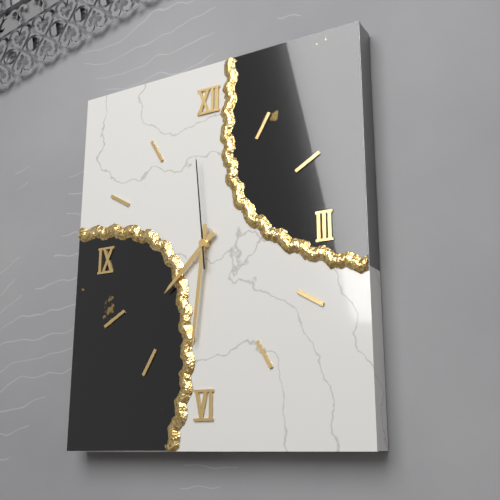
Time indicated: 7:31:59
